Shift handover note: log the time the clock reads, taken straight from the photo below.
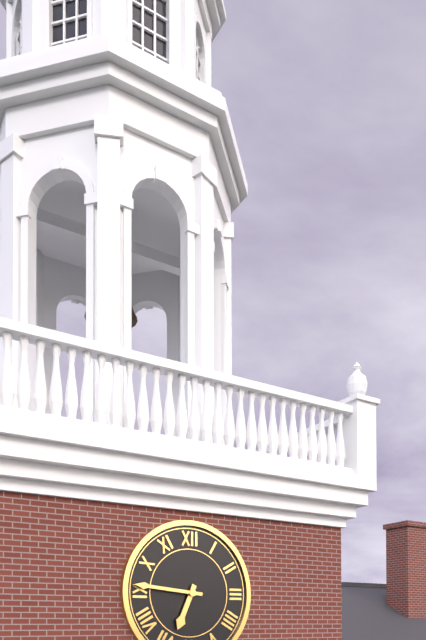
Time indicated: 6:46
